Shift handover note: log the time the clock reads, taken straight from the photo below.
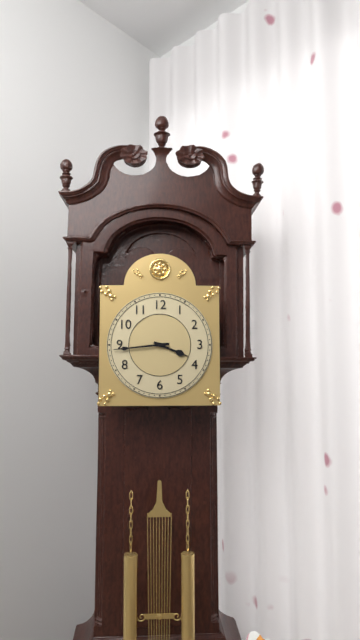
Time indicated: 3:44
